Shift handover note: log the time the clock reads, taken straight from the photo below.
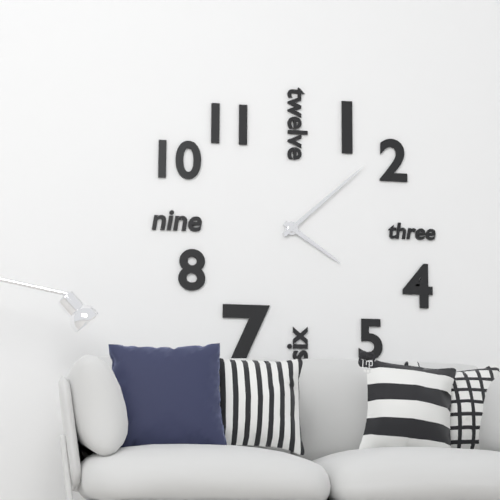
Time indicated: 4:08
